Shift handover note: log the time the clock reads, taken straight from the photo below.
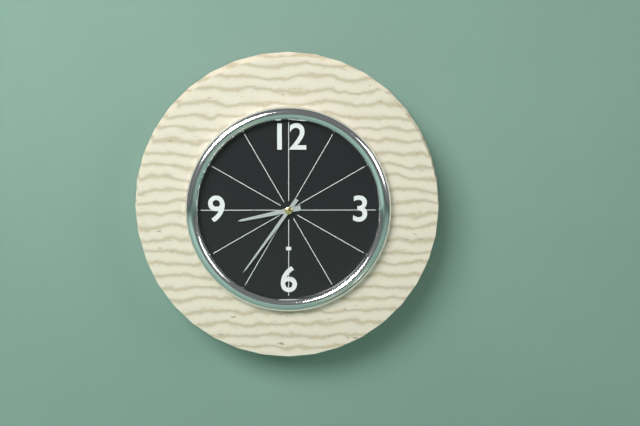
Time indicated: 8:36
